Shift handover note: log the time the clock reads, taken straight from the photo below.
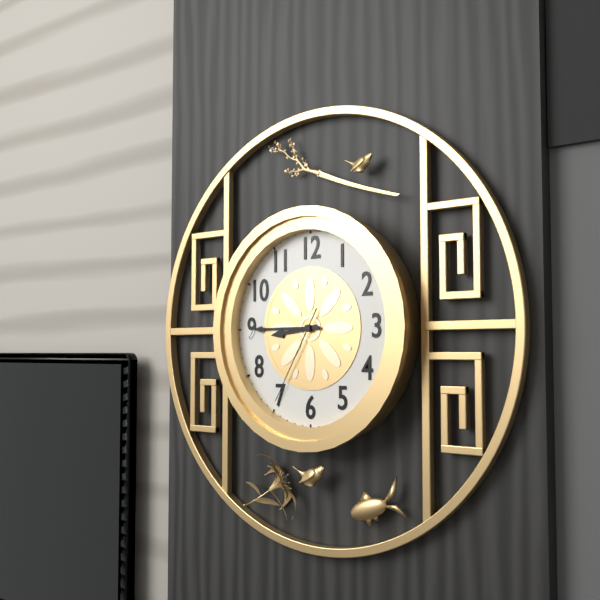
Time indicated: 8:45:35
